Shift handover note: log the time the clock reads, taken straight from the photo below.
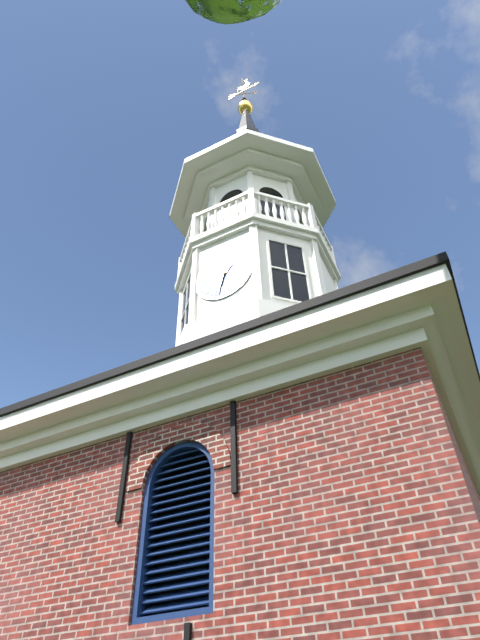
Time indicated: 1:32
